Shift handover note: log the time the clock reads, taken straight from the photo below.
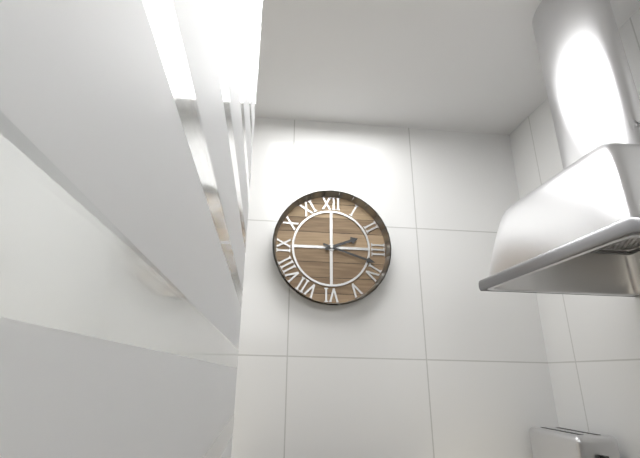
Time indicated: 2:18
